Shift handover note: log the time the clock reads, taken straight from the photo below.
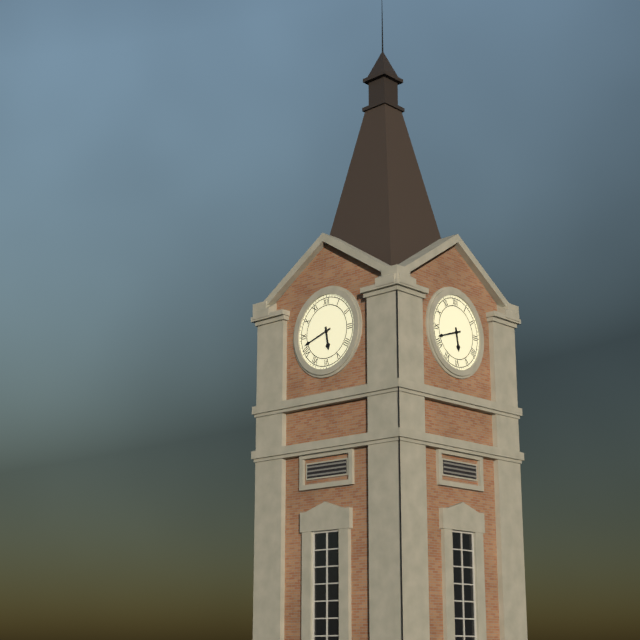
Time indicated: 5:42
